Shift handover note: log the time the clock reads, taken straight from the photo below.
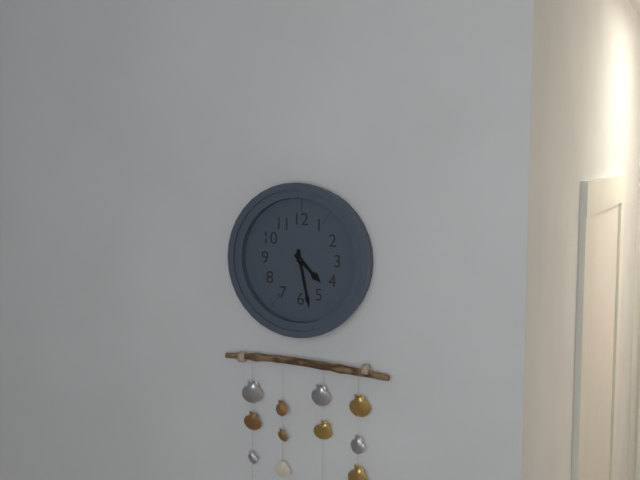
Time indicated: 4:28
